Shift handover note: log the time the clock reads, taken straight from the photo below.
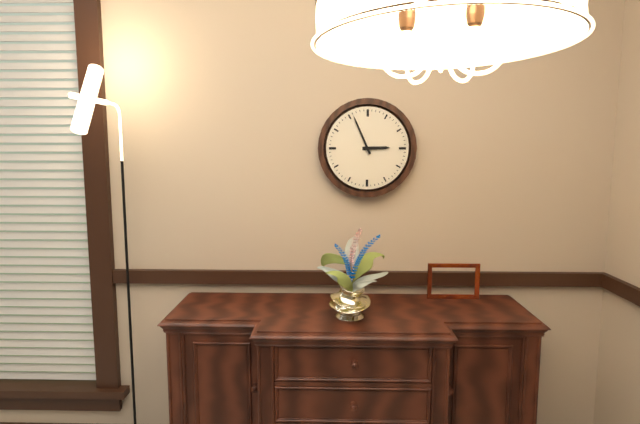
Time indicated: 2:56
